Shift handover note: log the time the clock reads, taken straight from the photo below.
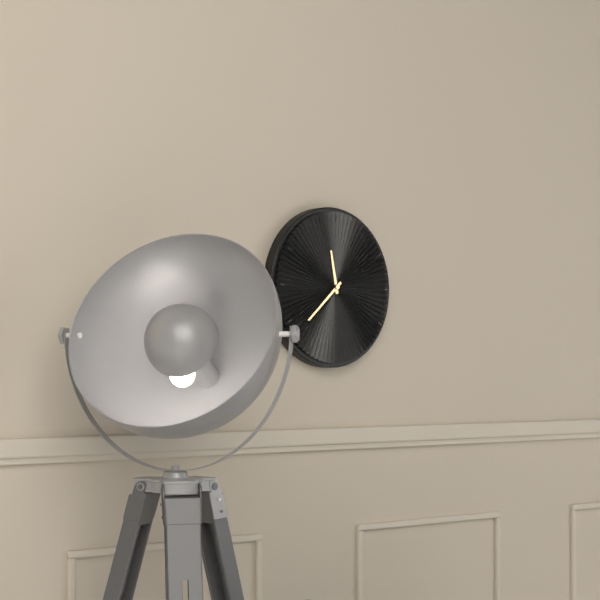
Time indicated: 11:38
